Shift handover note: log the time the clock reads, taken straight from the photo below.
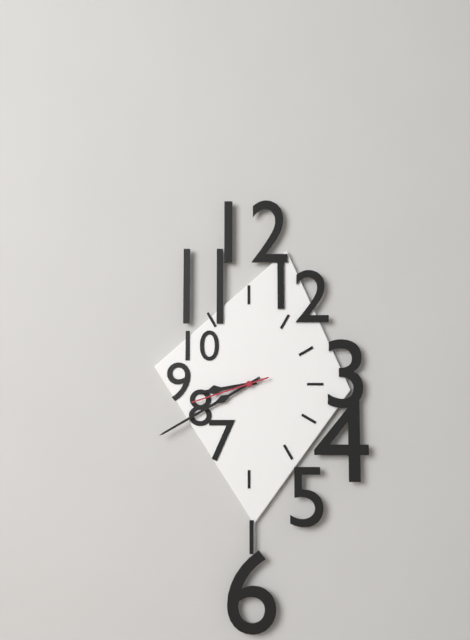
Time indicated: 8:40:42
